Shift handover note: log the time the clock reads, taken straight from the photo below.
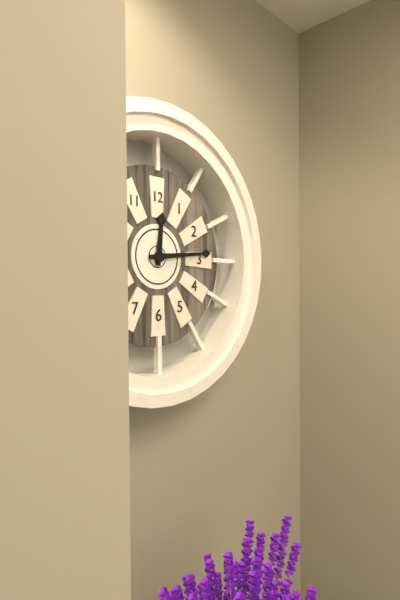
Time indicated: 12:14
